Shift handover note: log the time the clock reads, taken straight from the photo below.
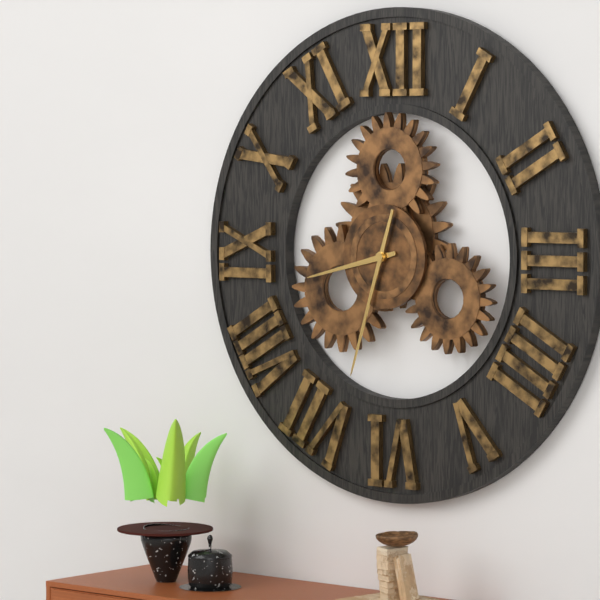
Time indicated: 8:33
